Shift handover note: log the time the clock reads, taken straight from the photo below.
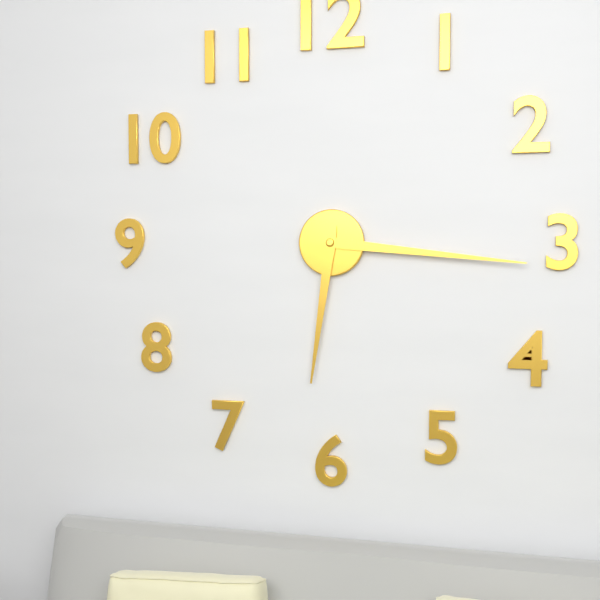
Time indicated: 6:16
